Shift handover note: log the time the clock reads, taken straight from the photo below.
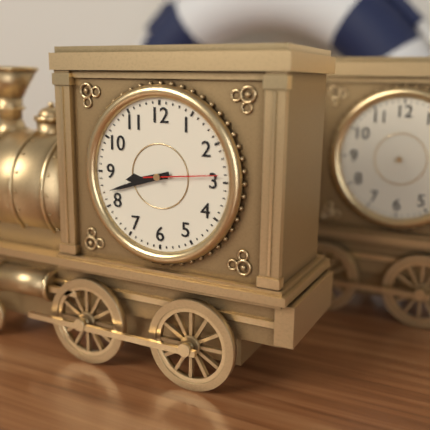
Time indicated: 8:42:14
